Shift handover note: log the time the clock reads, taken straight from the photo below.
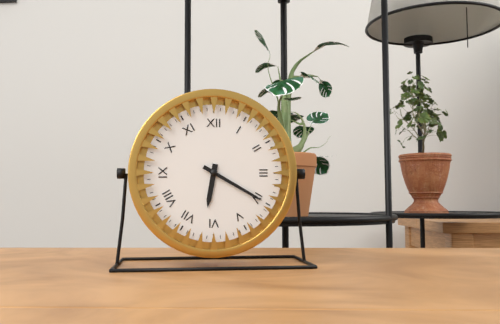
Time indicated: 6:20
